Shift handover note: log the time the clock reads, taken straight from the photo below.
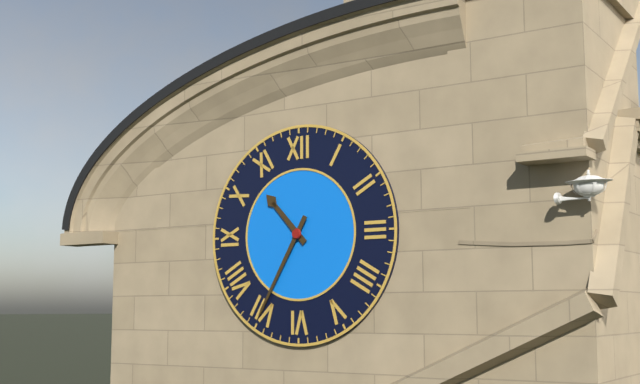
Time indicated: 10:35
